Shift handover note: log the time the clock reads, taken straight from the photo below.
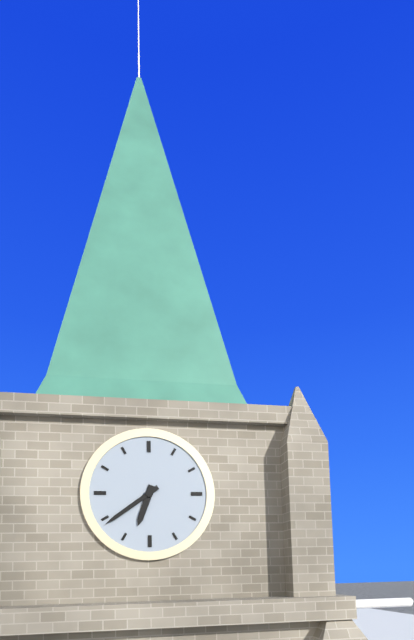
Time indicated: 6:39
